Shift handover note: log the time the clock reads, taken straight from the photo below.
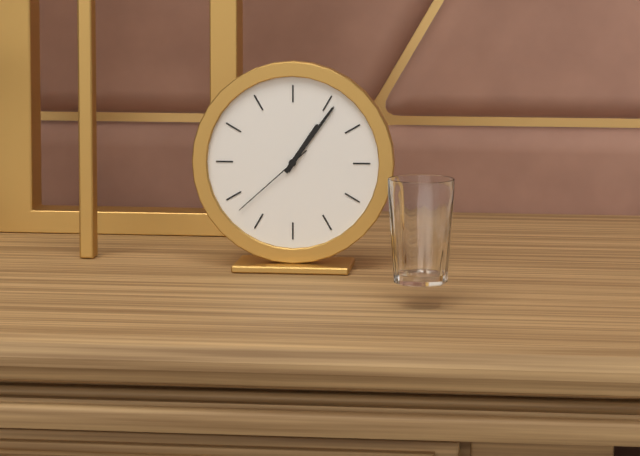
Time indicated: 1:06:38
